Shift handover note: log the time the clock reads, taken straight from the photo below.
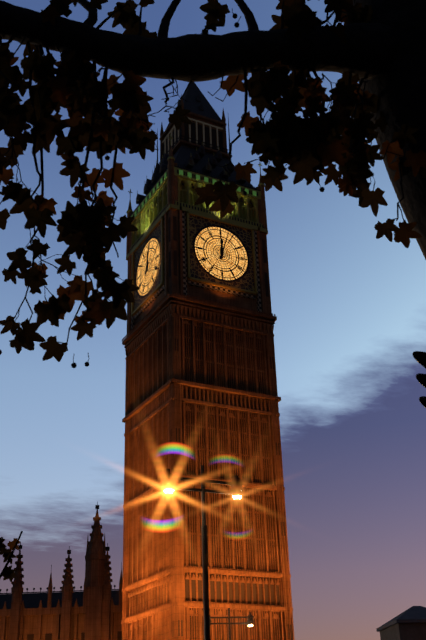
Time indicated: 12:03
